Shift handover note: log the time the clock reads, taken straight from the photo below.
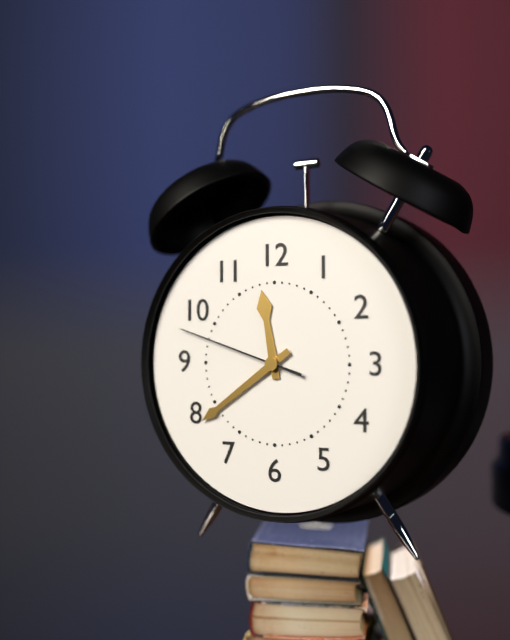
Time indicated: 11:39:48
